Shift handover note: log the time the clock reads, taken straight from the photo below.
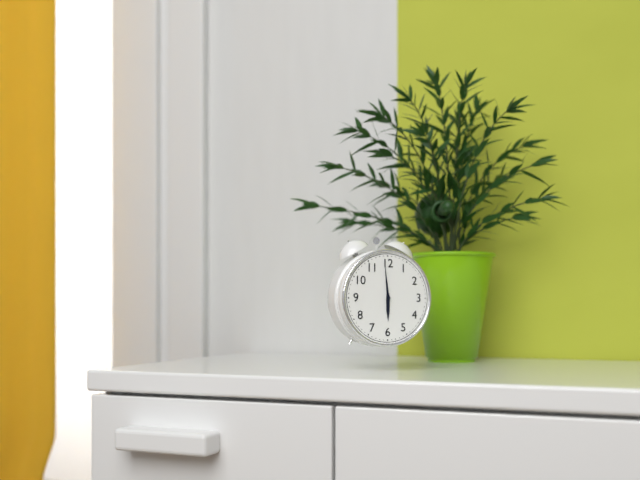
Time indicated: 5:59
